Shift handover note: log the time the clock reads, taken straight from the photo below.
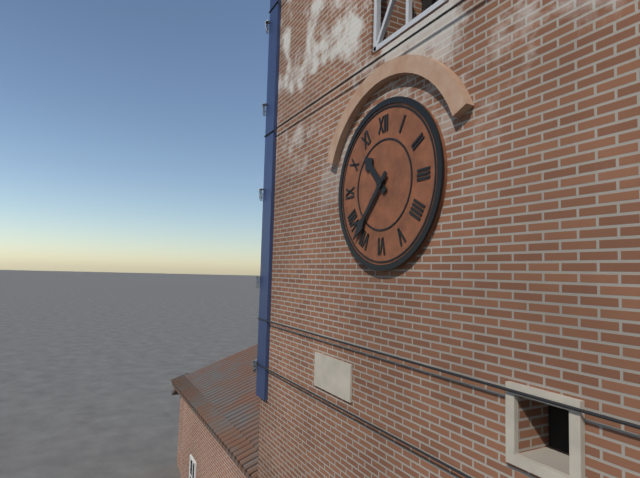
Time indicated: 10:37
